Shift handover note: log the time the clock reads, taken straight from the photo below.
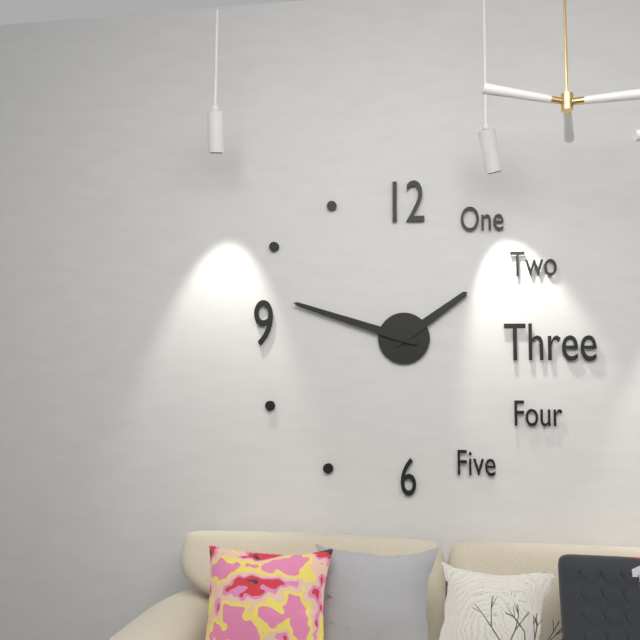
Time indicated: 1:48
